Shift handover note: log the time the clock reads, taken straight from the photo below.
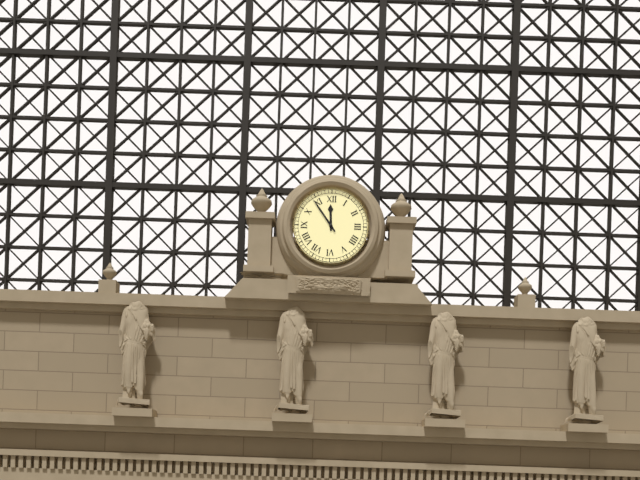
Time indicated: 11:54
